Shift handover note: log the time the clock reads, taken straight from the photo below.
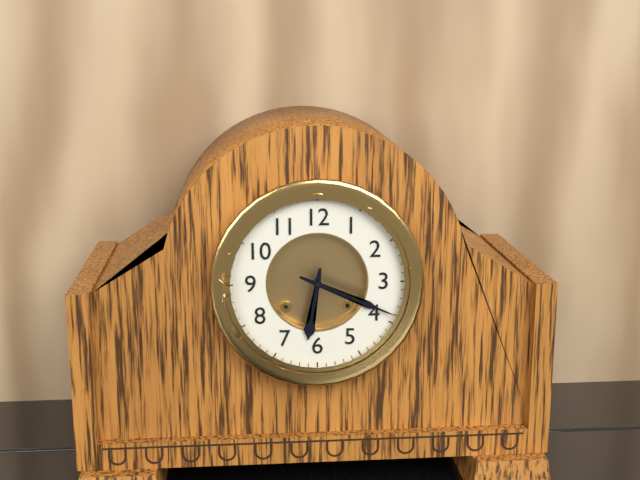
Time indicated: 6:19
